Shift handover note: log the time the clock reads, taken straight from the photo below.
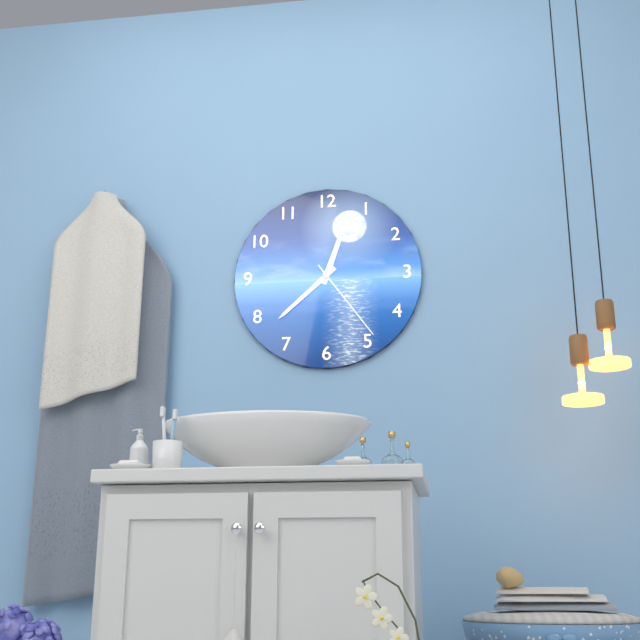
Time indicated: 12:38:24
